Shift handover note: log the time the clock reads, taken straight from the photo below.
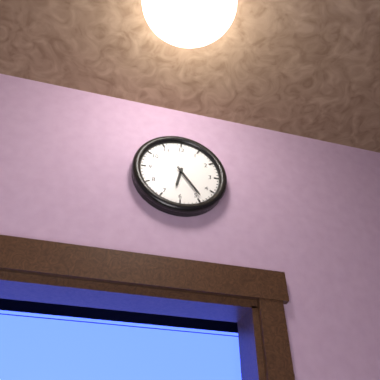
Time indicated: 6:24
